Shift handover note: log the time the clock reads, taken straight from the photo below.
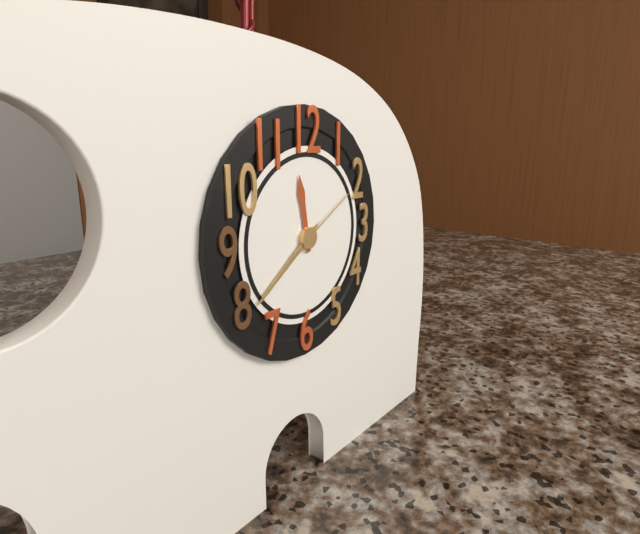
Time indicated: 11:39:10
